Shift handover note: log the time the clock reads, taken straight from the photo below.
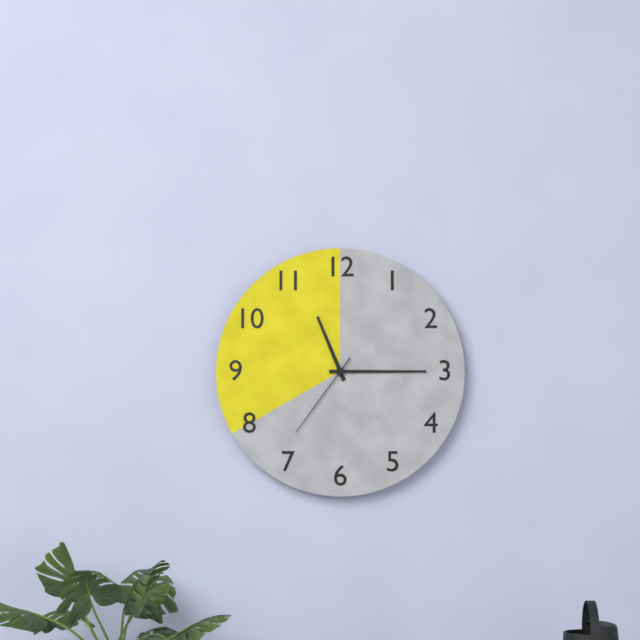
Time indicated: 11:15:36
